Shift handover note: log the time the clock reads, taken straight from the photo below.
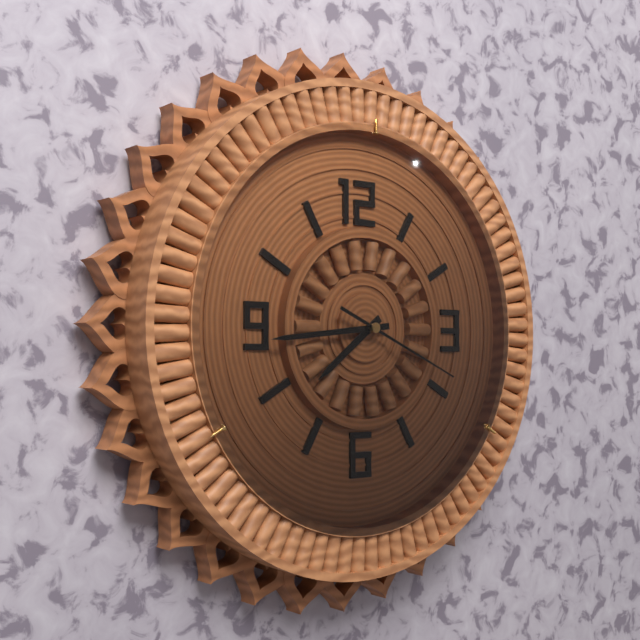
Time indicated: 7:44:19
